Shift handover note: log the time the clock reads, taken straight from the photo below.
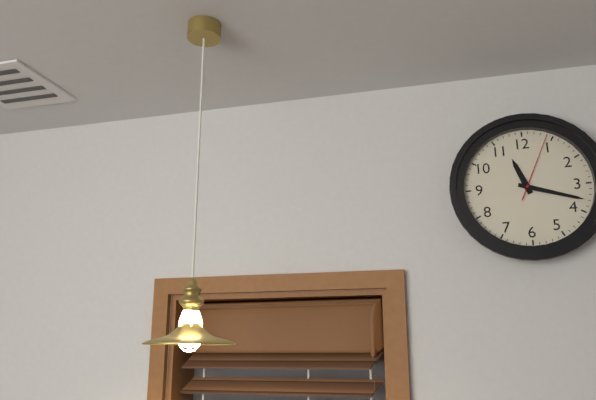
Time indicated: 11:18:04
